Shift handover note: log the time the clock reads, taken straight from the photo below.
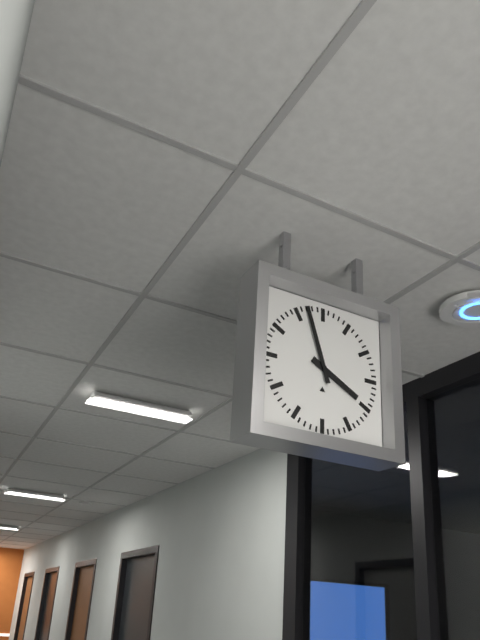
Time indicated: 3:57
